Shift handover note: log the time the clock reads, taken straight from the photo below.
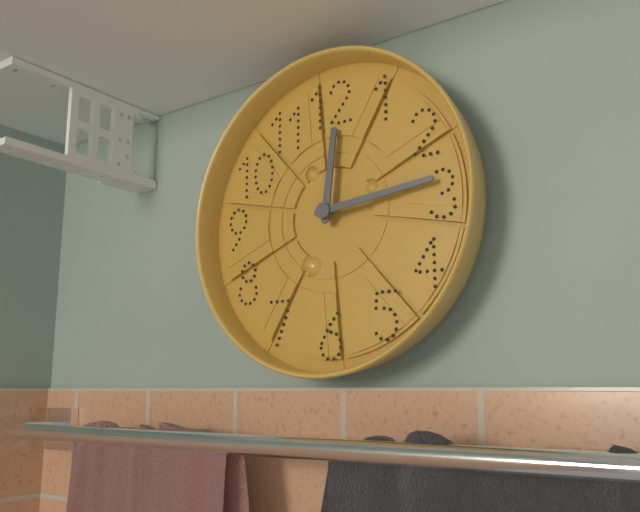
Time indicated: 12:14
